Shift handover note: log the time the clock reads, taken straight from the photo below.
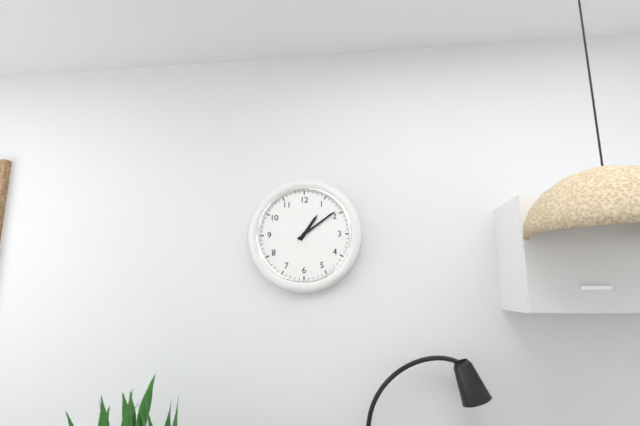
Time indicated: 1:09
